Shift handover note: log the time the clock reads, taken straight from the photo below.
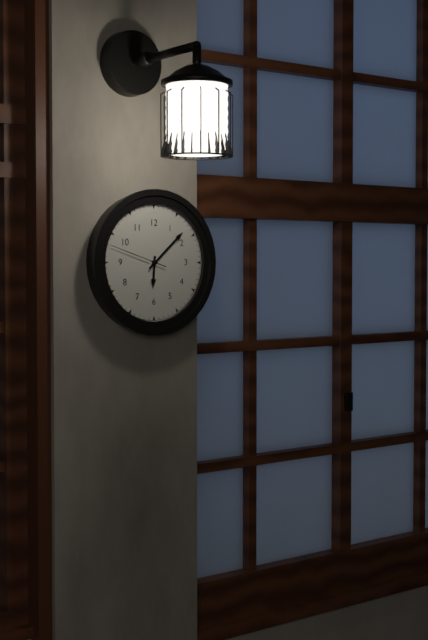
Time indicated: 6:08:48
